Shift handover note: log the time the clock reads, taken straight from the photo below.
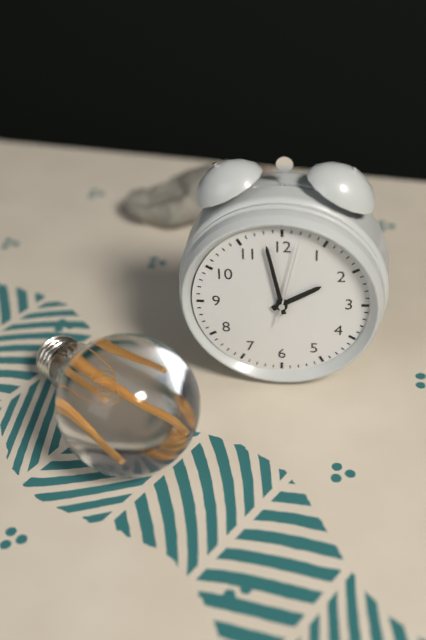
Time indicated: 1:58:02
